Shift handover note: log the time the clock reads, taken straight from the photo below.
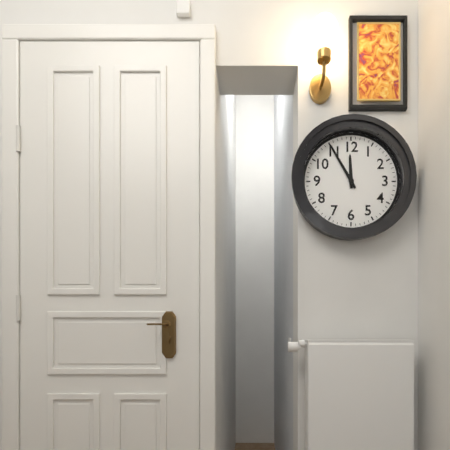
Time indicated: 11:55
